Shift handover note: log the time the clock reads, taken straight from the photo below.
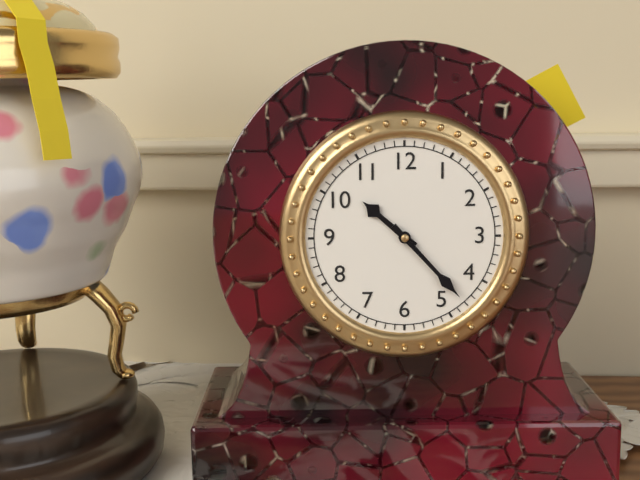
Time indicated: 10:23
